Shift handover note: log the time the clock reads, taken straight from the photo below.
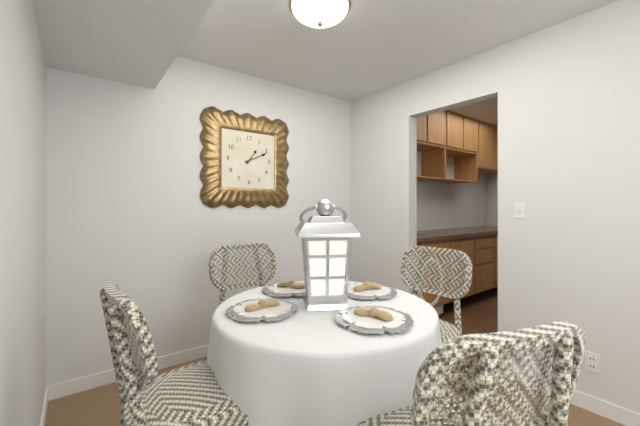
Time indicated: 1:11
